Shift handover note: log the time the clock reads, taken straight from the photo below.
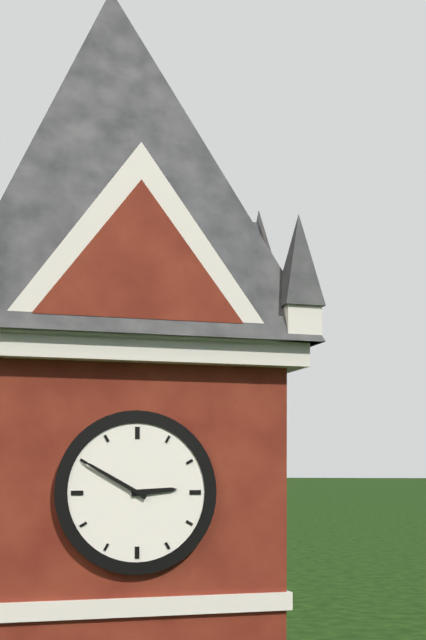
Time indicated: 2:50
